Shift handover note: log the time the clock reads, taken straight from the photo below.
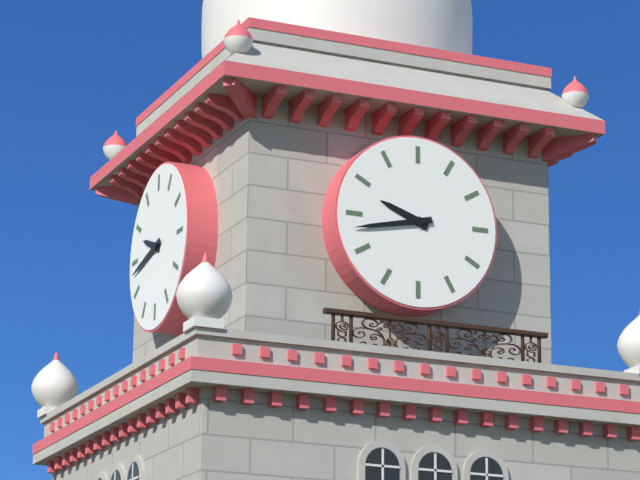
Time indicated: 9:43
